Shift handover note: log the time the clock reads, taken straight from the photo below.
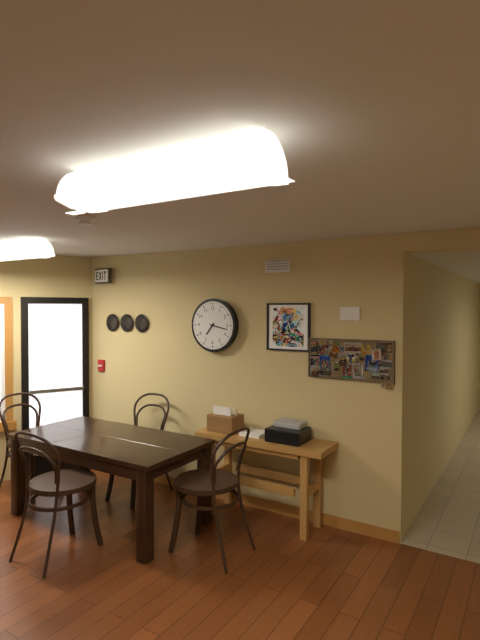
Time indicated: 7:17
